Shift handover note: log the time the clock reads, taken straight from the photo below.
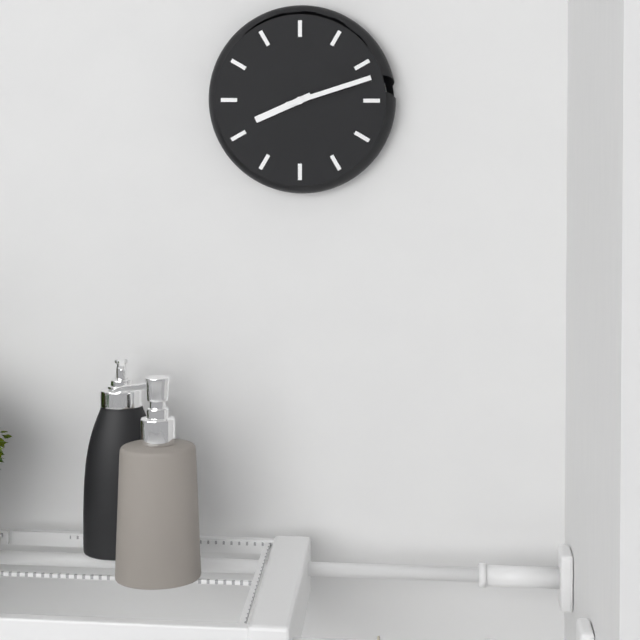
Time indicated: 8:12
